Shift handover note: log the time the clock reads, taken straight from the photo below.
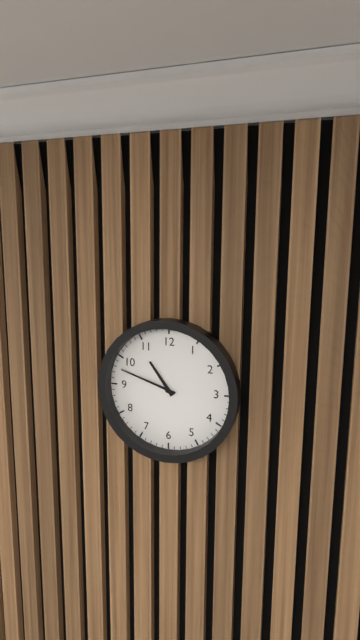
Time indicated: 10:48
